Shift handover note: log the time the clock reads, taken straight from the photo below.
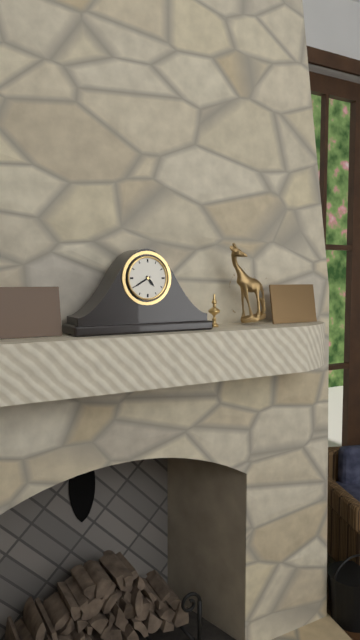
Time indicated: 4:40
